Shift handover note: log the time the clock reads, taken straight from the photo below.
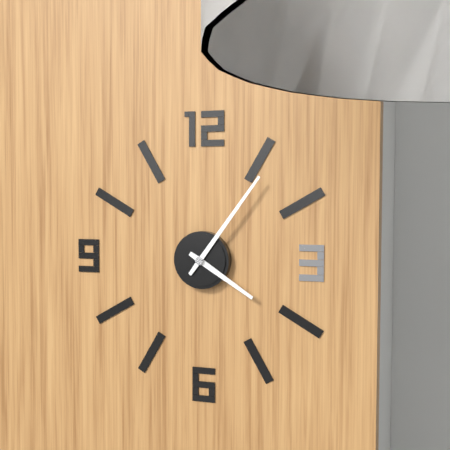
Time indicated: 4:06
